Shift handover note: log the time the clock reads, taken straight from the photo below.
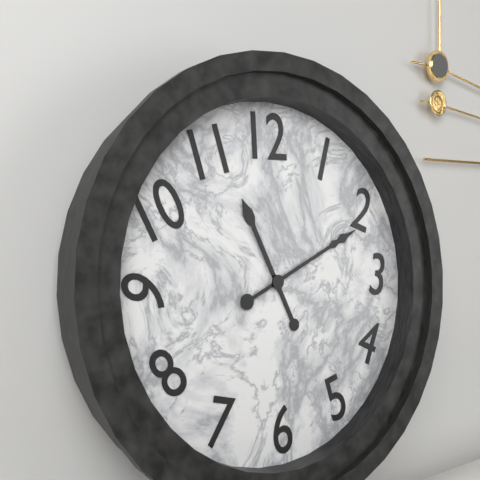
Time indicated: 11:11
